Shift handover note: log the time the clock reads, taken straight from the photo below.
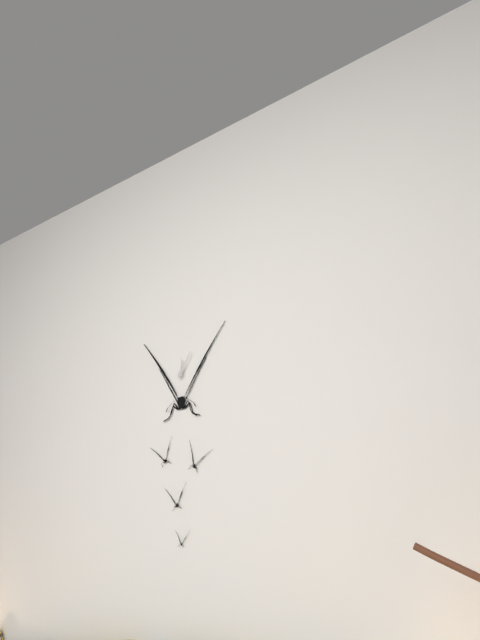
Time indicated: 12:05
